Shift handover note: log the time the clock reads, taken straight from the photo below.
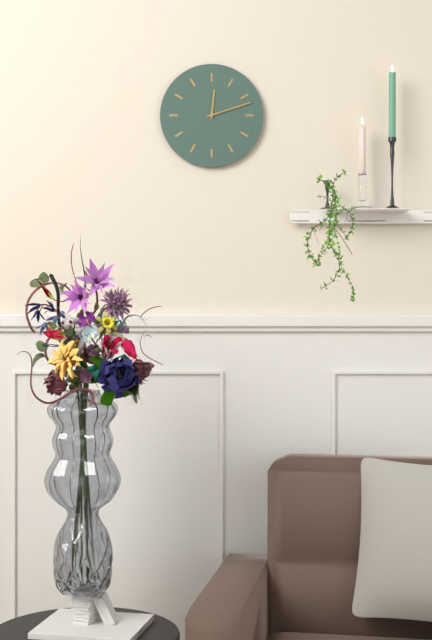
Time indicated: 12:12
